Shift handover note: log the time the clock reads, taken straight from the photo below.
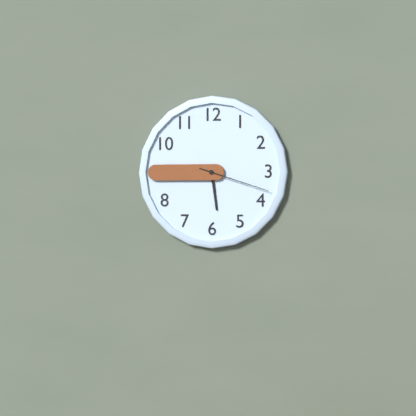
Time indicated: 5:45:18
